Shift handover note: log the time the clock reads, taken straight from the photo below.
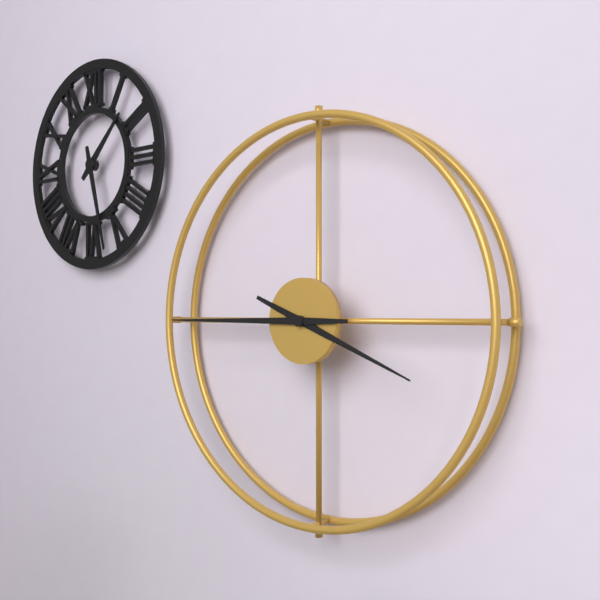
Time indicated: 3:45
